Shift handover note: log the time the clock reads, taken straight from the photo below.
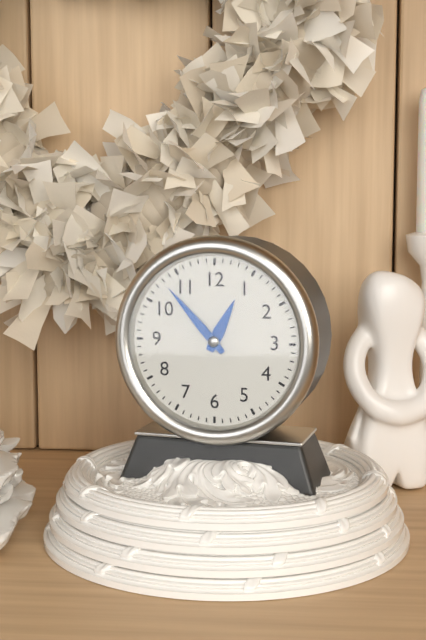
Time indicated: 12:53
